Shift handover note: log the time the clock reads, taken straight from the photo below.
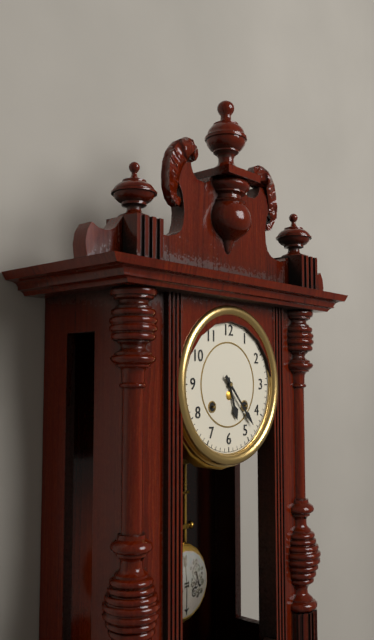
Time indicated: 5:23
